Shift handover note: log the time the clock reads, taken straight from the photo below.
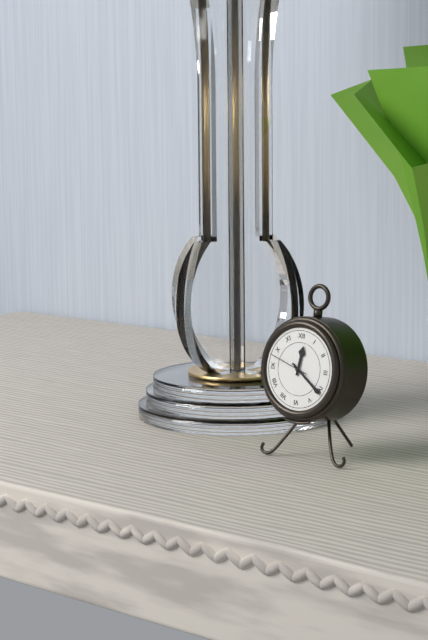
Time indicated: 12:21
